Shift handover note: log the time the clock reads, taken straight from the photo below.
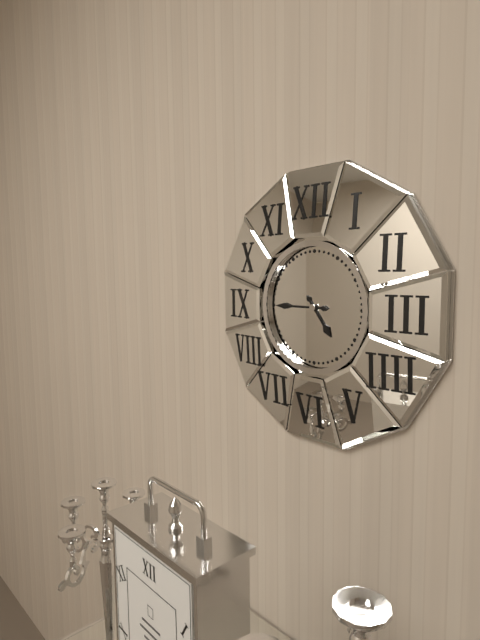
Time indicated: 4:45
